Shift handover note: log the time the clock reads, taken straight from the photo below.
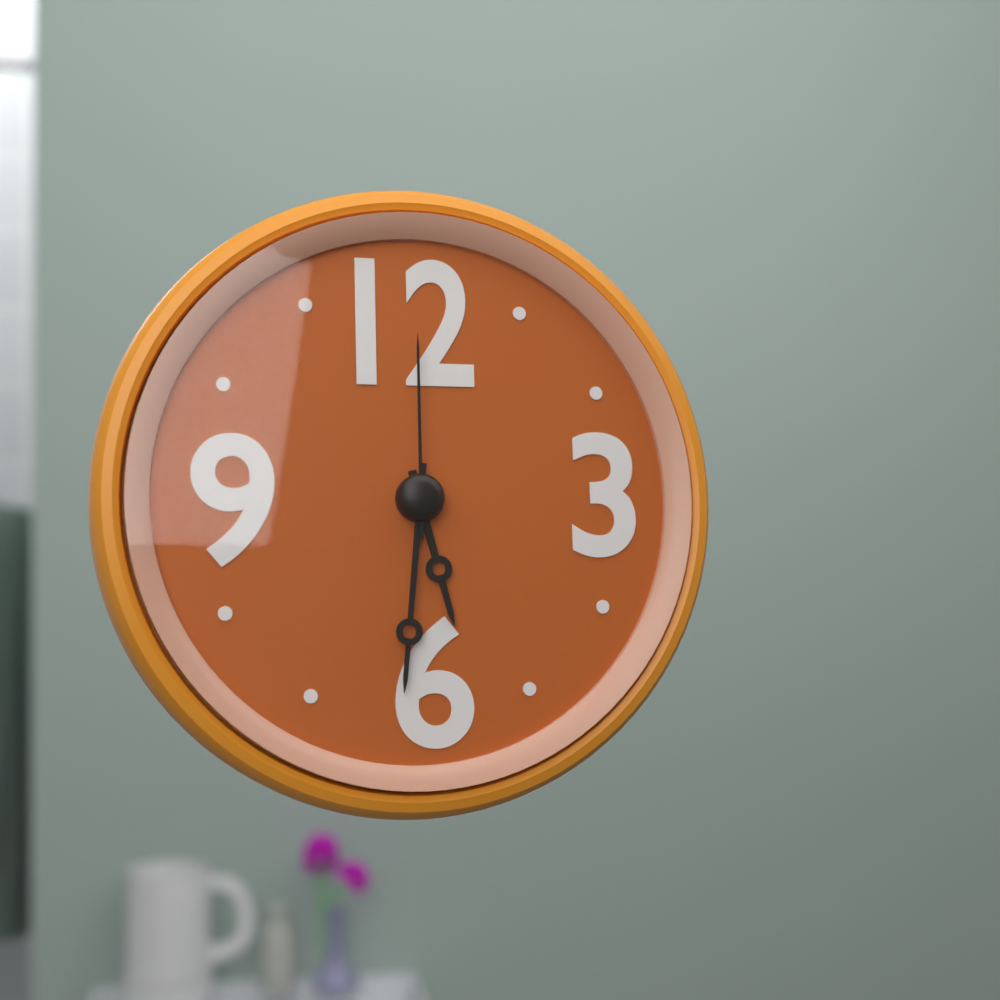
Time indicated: 5:31:00
